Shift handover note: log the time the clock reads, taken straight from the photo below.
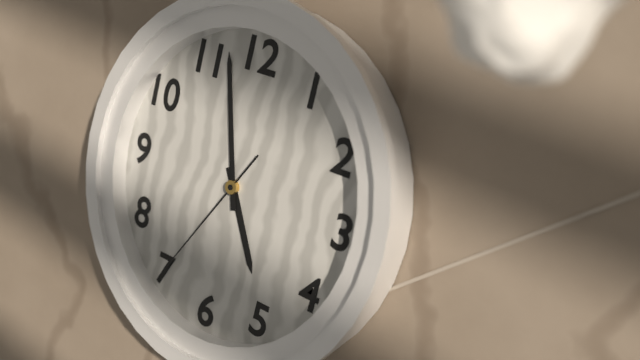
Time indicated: 4:57:35
